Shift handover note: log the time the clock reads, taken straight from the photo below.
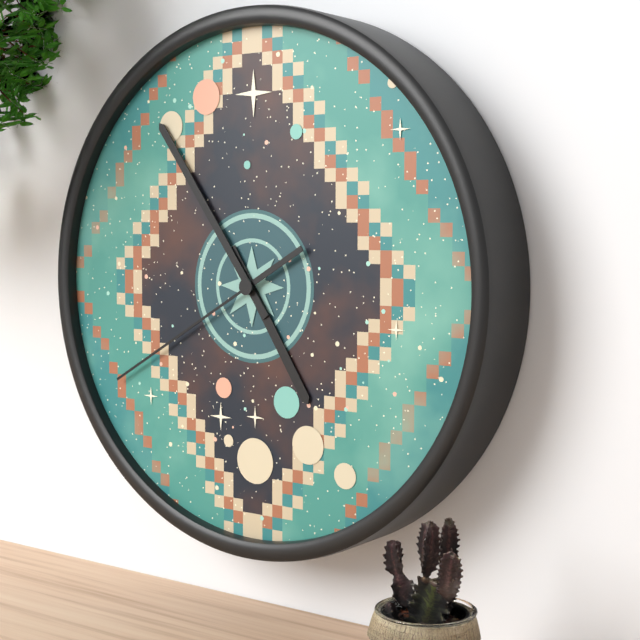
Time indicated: 4:54:40
